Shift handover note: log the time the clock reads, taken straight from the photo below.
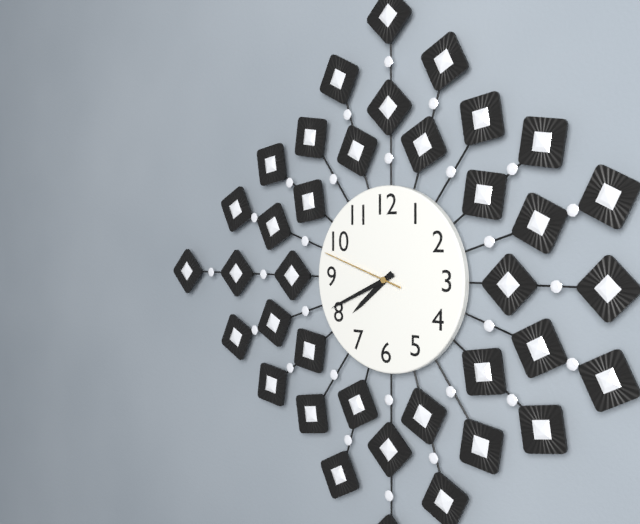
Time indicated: 7:41:48
